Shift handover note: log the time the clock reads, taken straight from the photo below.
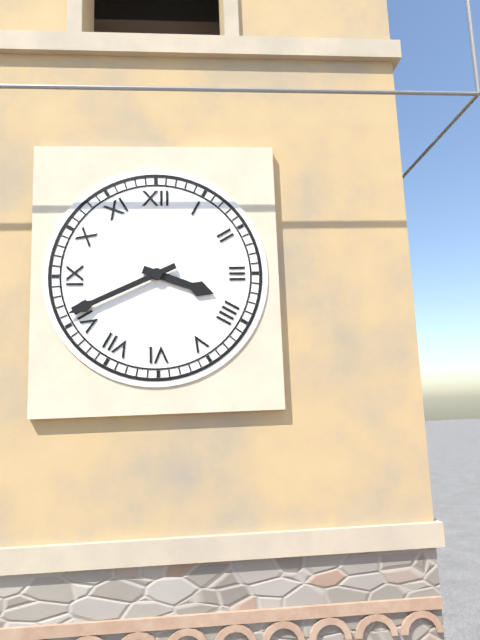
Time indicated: 3:41
